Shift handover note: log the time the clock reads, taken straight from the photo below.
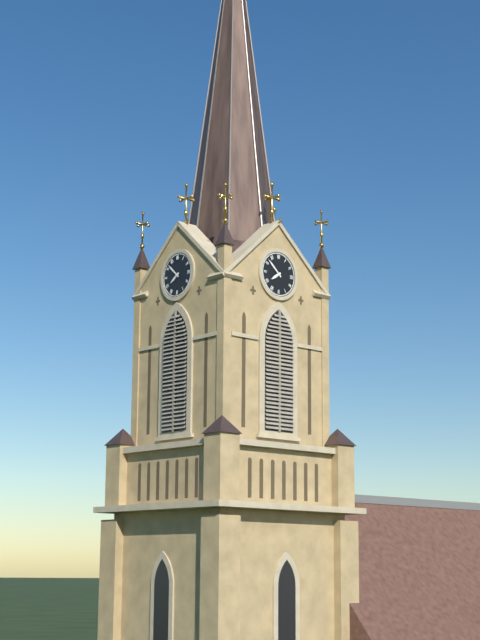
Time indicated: 7:52
